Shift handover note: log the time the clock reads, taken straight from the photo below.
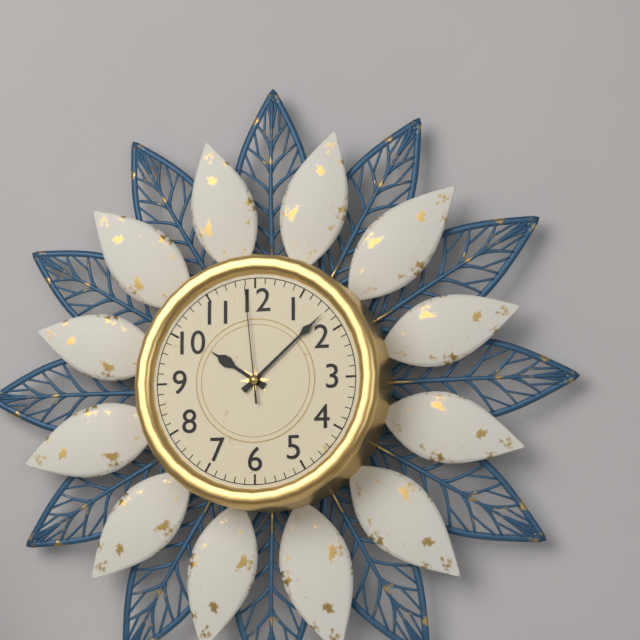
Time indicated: 10:08:59
